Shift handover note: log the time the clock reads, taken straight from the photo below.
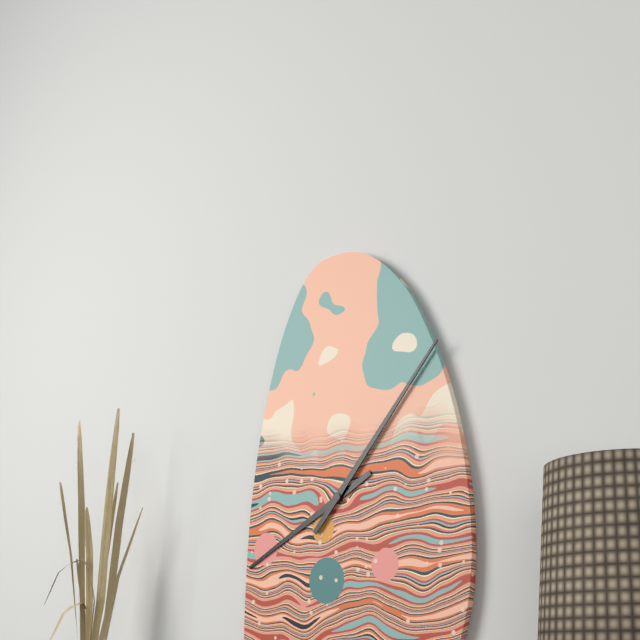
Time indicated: 8:07
